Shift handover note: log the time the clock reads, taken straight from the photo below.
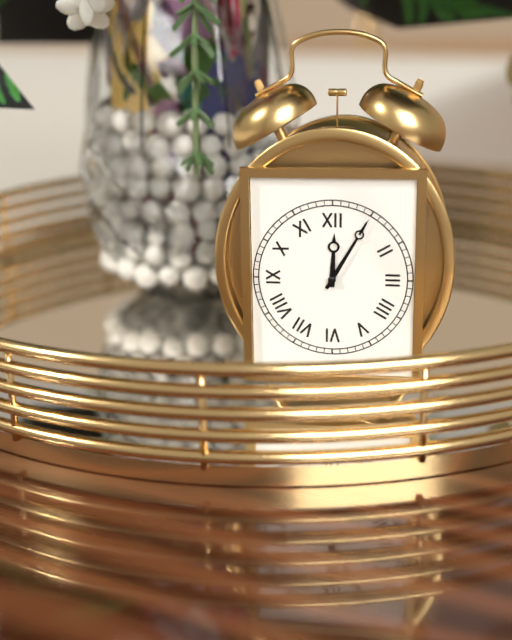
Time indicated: 12:05
